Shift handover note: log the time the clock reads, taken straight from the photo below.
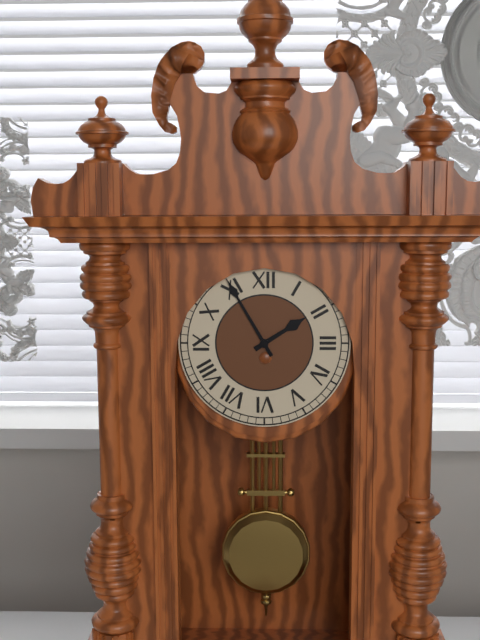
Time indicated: 1:55
